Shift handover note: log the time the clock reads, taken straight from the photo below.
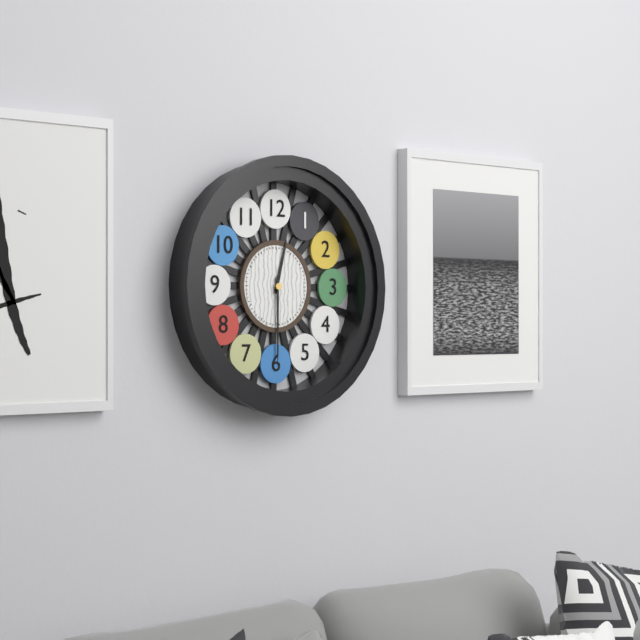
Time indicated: 12:30
